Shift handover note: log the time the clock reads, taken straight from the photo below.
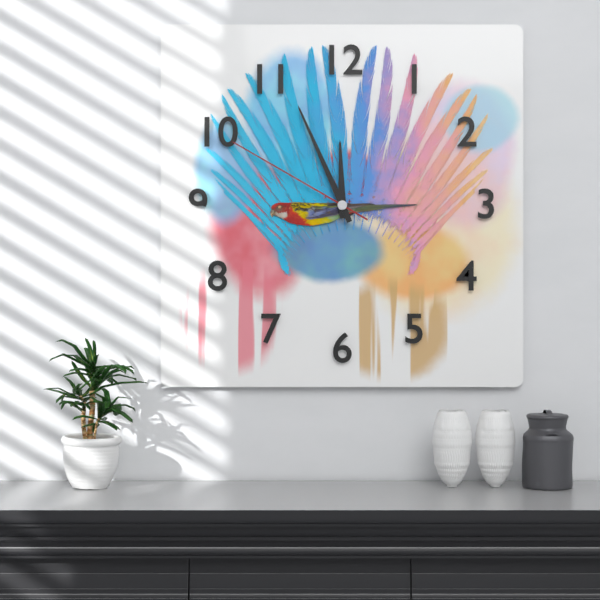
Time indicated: 11:56:50
